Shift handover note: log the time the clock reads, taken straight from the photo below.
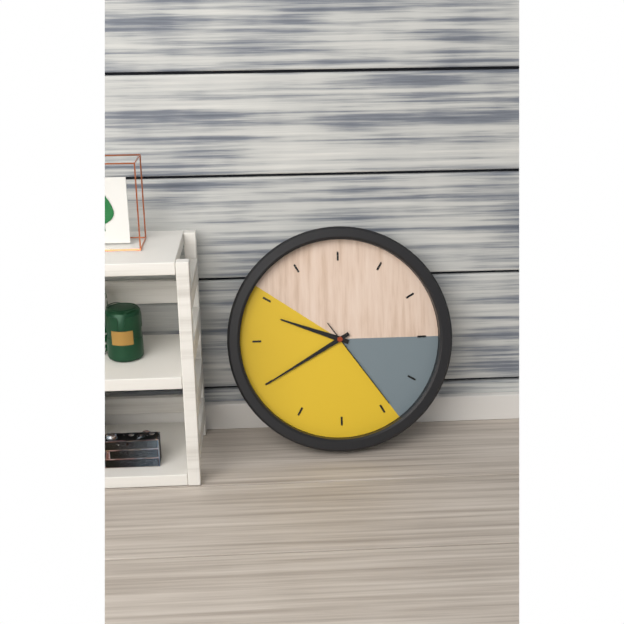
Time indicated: 9:40:24
